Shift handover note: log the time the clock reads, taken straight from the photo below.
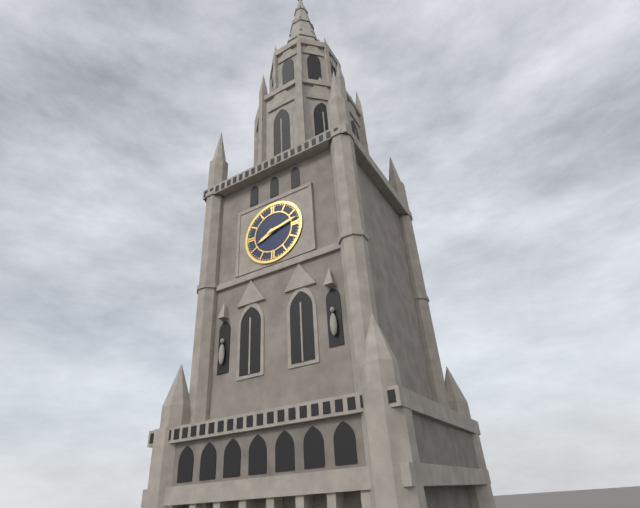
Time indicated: 8:13
